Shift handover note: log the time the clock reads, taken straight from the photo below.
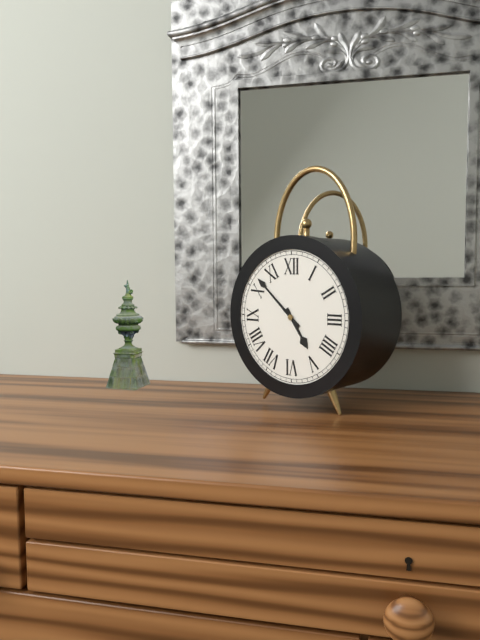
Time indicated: 4:52
